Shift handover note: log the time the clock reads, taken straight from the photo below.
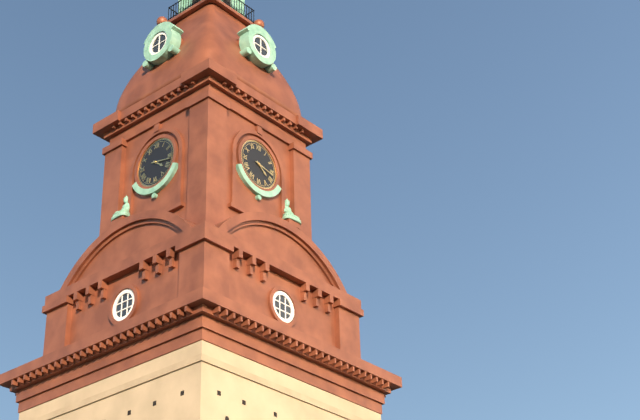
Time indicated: 4:17
